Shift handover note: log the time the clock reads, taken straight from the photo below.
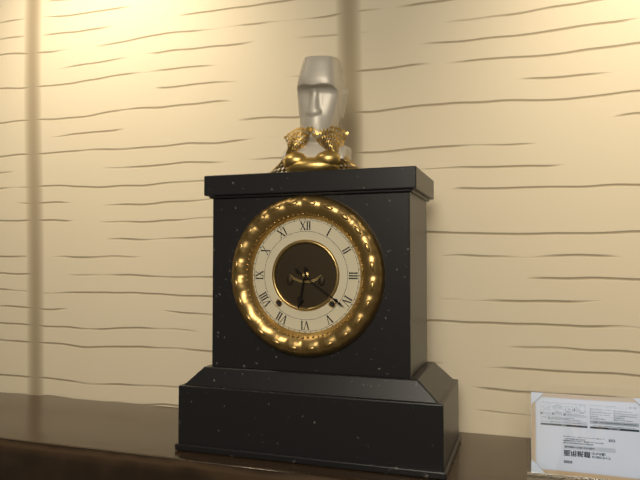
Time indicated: 6:21
